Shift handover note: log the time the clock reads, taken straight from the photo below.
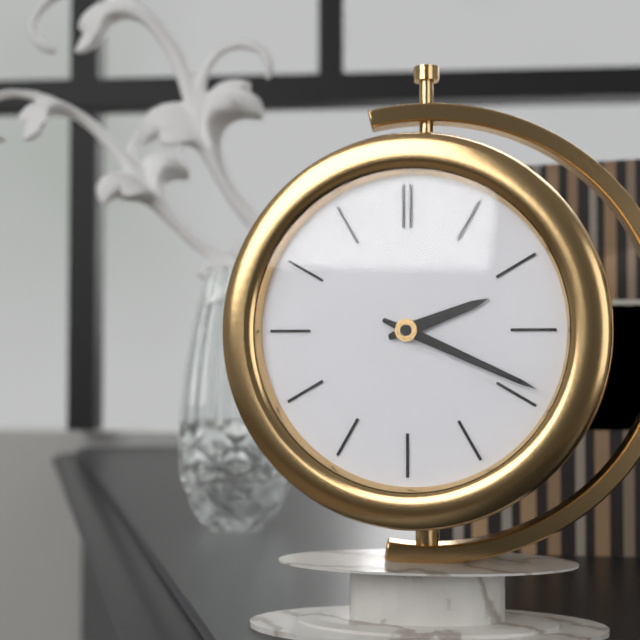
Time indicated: 2:19
